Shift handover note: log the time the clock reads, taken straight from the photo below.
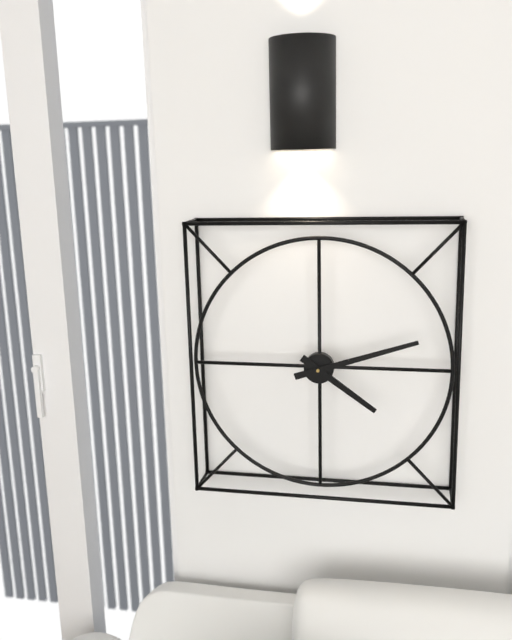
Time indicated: 4:12
